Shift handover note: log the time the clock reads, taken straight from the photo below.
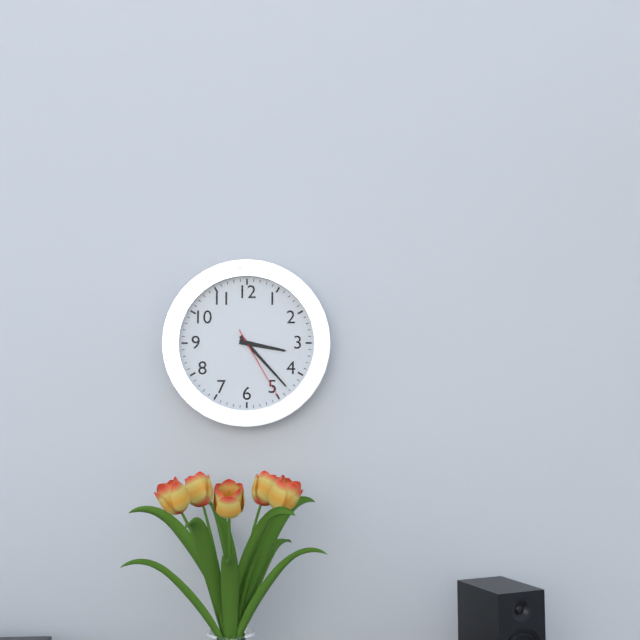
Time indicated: 3:23:25
